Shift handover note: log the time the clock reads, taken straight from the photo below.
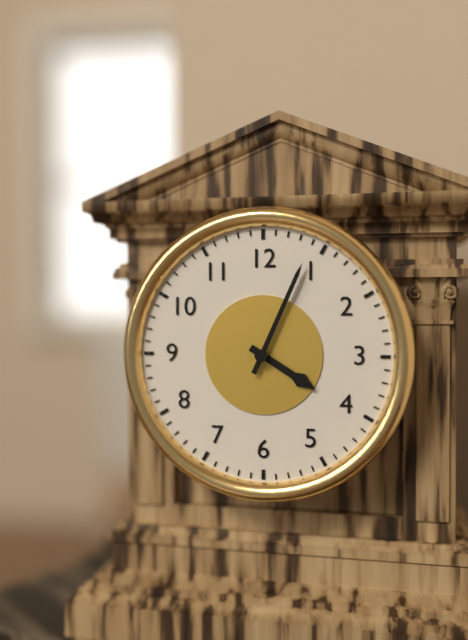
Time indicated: 4:04
